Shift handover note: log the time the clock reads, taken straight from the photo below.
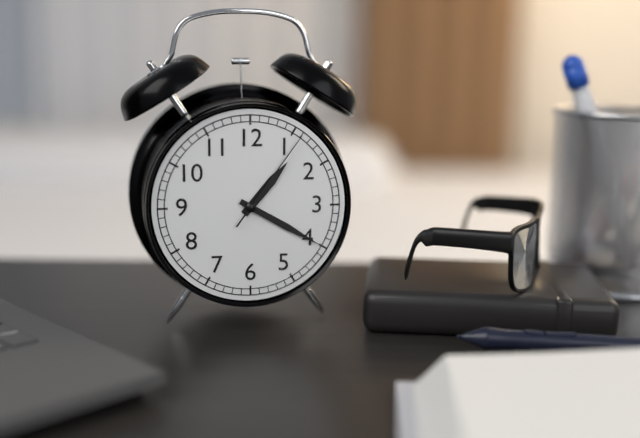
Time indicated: 1:20:06
